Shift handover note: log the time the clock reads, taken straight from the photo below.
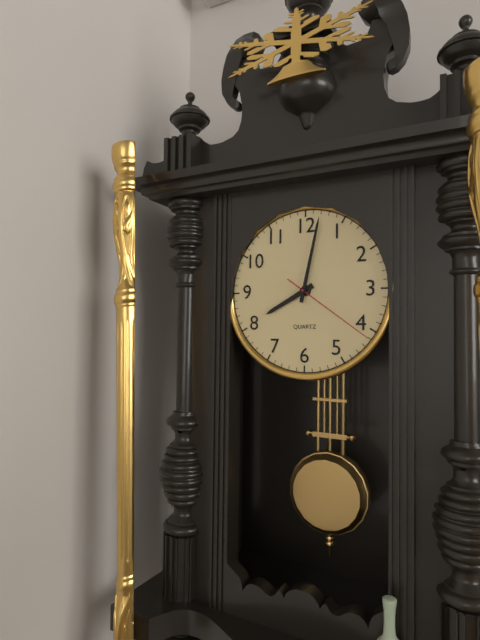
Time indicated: 8:02:21
